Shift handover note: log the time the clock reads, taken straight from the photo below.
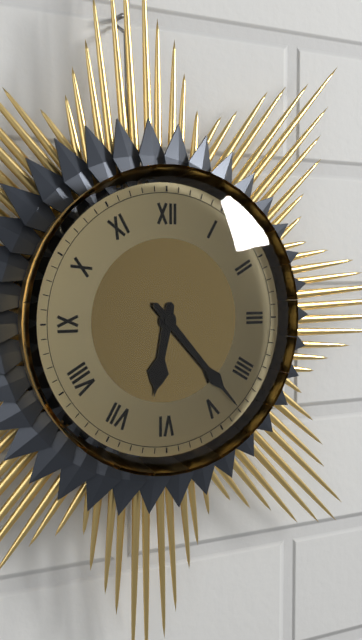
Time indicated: 6:23
